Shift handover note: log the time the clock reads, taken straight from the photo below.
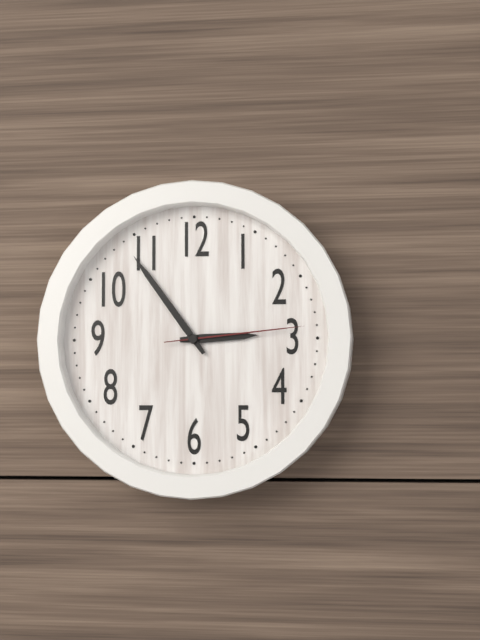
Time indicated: 2:54:14
